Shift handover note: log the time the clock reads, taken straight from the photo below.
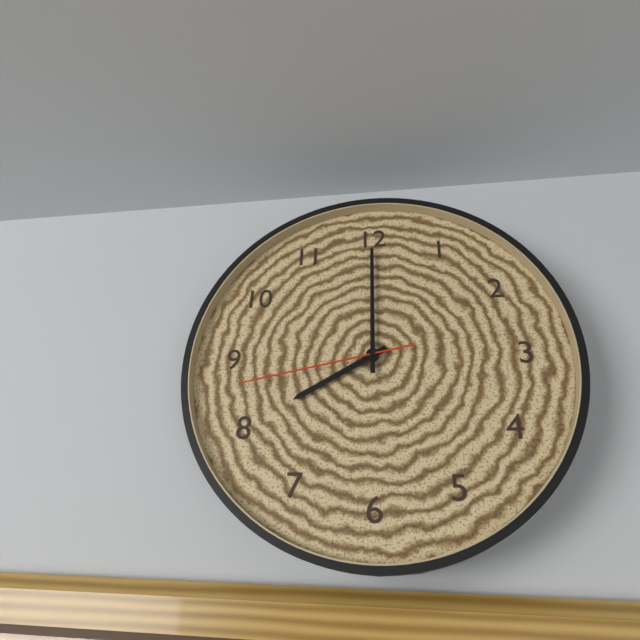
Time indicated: 8:00:43
